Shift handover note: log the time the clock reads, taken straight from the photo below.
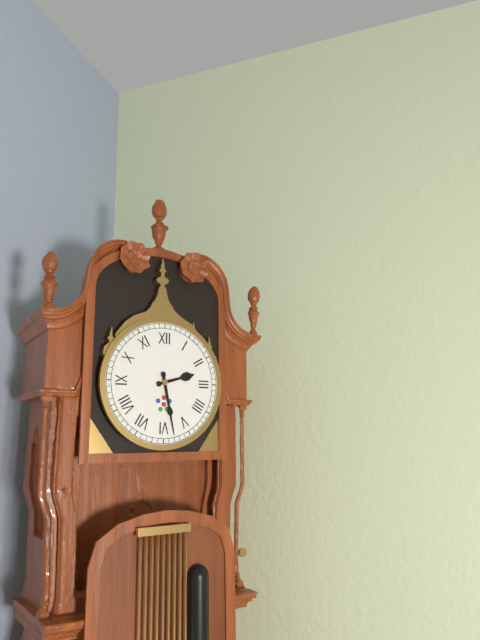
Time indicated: 2:28
